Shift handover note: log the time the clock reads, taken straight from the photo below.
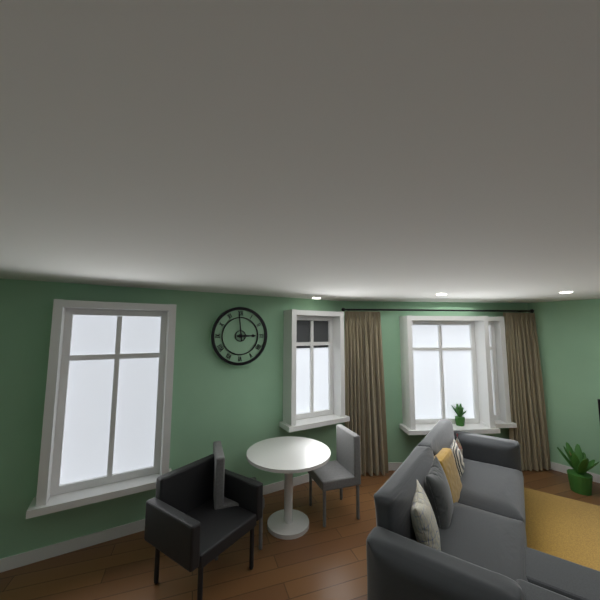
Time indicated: 2:59
